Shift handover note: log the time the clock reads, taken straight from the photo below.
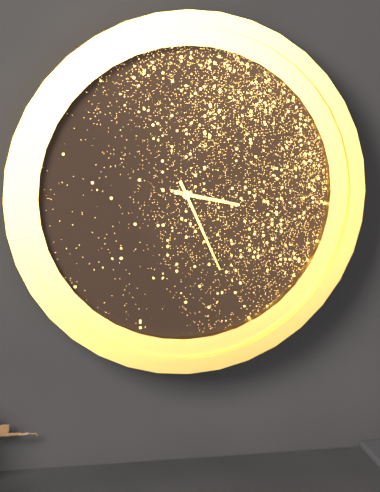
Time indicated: 3:26
